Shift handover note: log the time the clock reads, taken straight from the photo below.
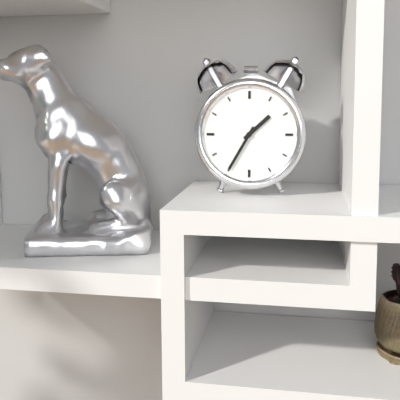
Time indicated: 1:35
